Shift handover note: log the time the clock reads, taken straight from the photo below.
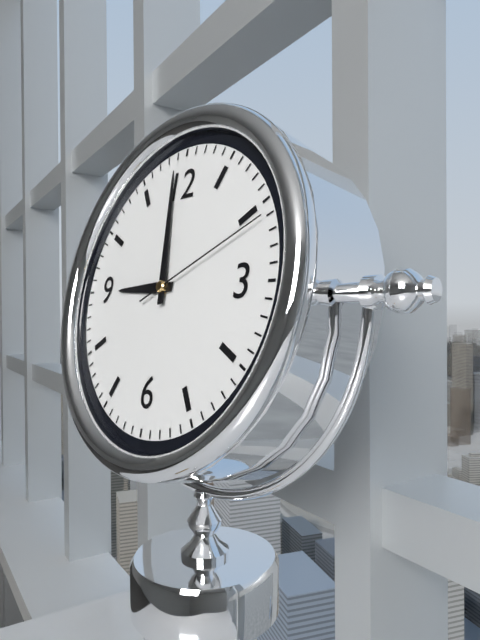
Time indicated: 8:59:11
